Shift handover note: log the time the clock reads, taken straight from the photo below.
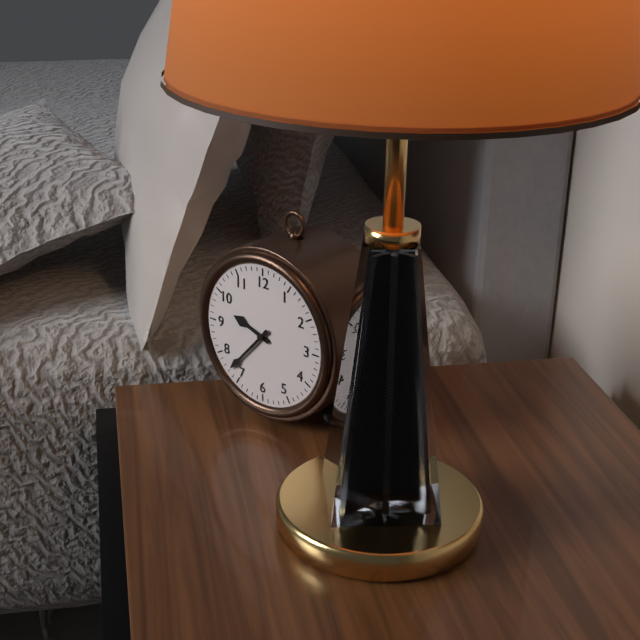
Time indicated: 9:37
